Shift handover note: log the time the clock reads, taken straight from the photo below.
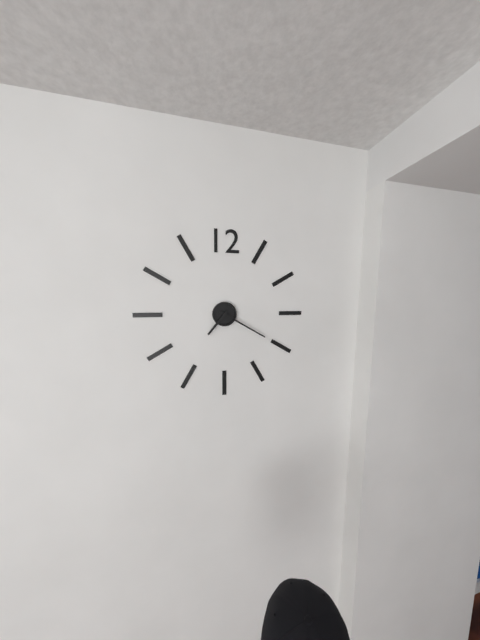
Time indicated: 7:20
